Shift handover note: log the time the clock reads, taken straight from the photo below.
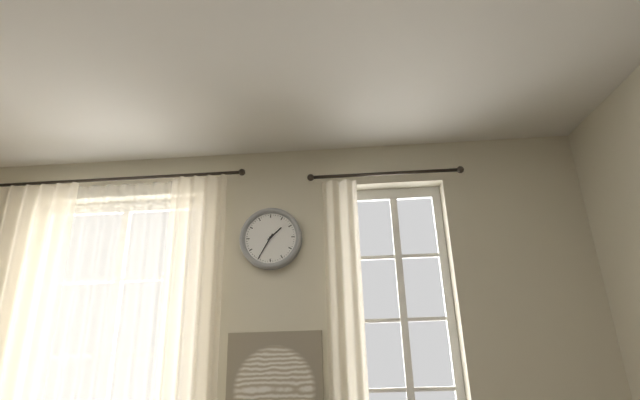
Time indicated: 1:35
